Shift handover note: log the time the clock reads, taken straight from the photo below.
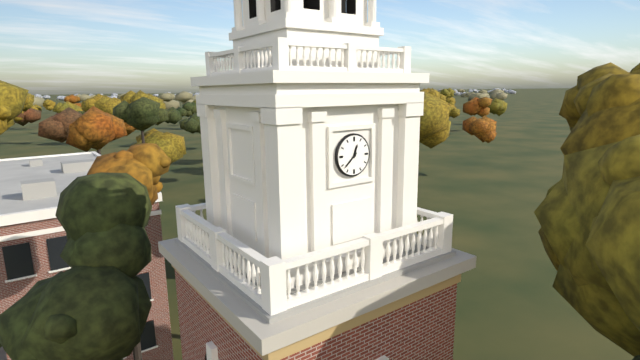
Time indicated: 12:38
